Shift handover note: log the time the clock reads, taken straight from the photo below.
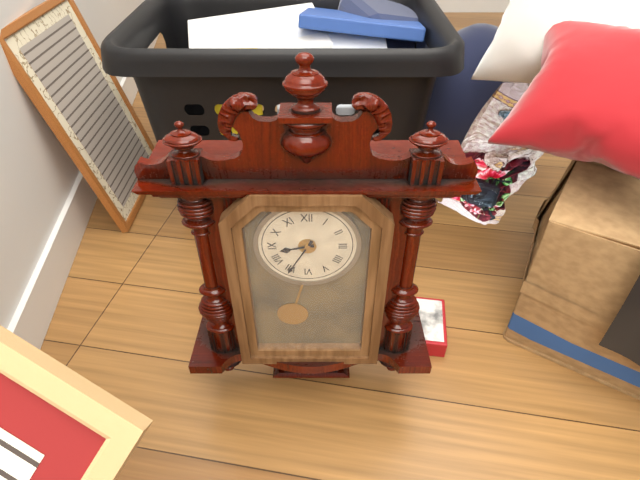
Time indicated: 8:35
